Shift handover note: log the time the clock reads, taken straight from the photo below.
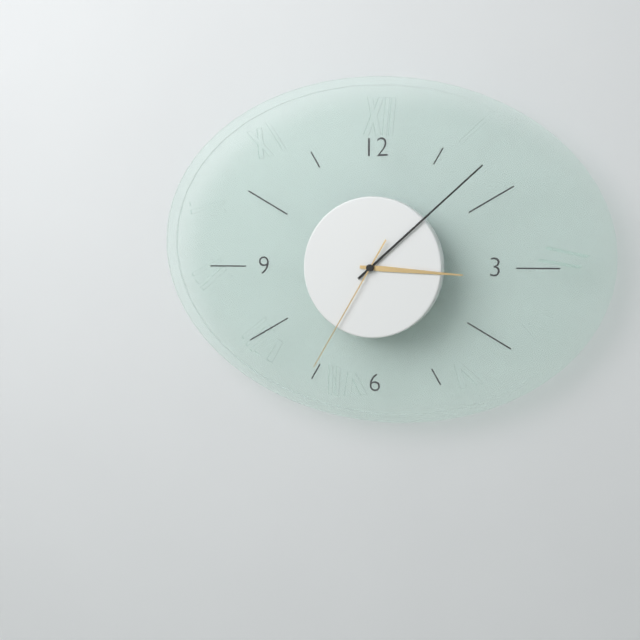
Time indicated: 3:08:35
